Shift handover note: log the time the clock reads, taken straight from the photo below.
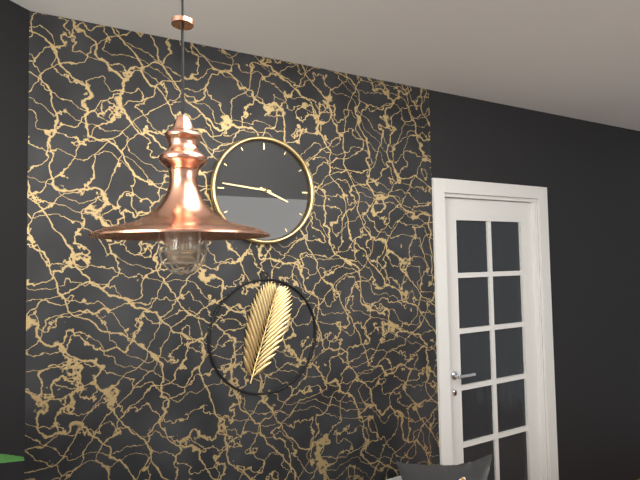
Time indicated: 3:46
